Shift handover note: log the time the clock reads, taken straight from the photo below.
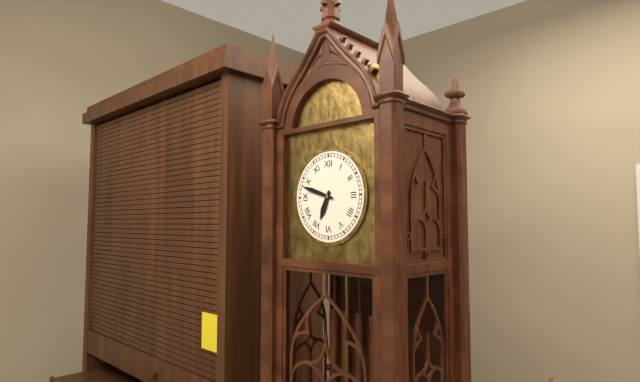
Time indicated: 6:48
